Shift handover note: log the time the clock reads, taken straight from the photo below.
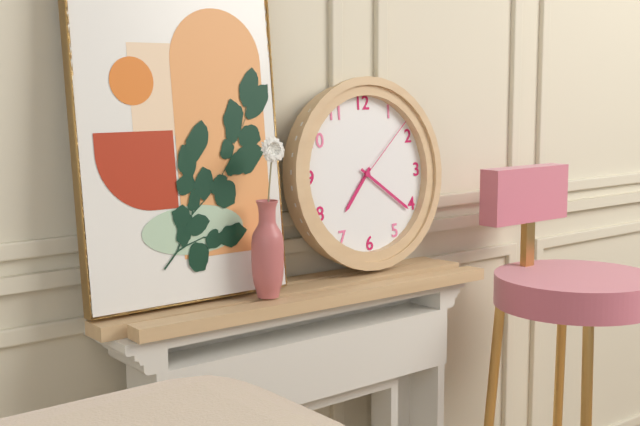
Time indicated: 7:21:08
